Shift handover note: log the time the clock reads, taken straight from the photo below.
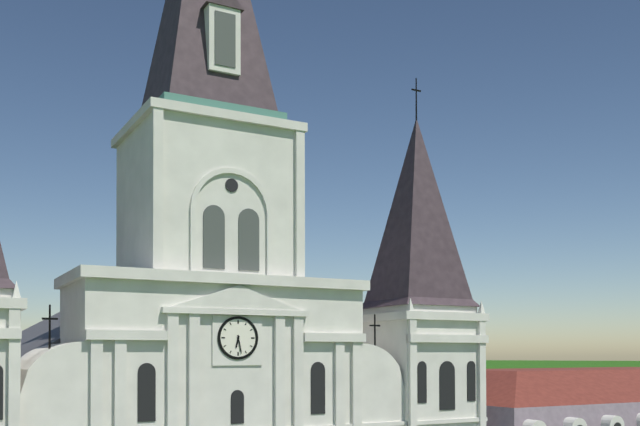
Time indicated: 6:28
